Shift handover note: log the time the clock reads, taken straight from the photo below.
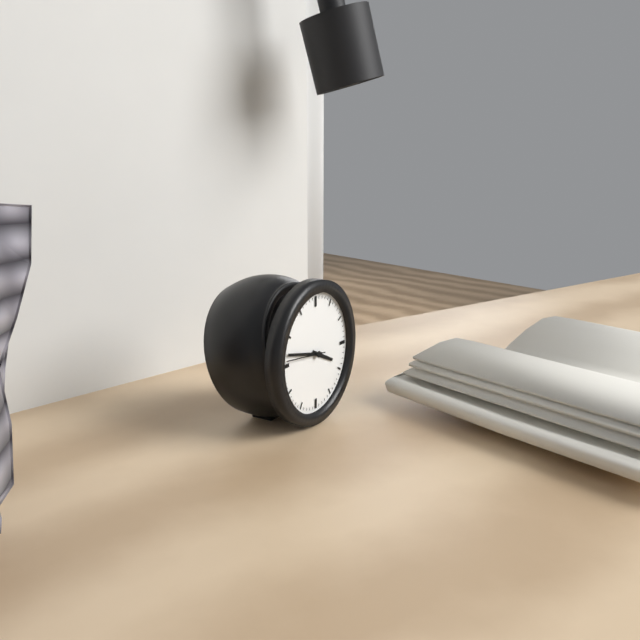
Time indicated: 3:47
